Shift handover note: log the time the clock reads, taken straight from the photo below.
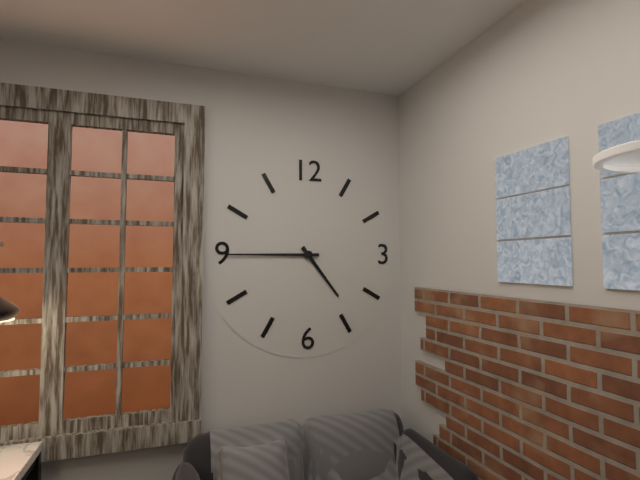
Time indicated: 4:45
